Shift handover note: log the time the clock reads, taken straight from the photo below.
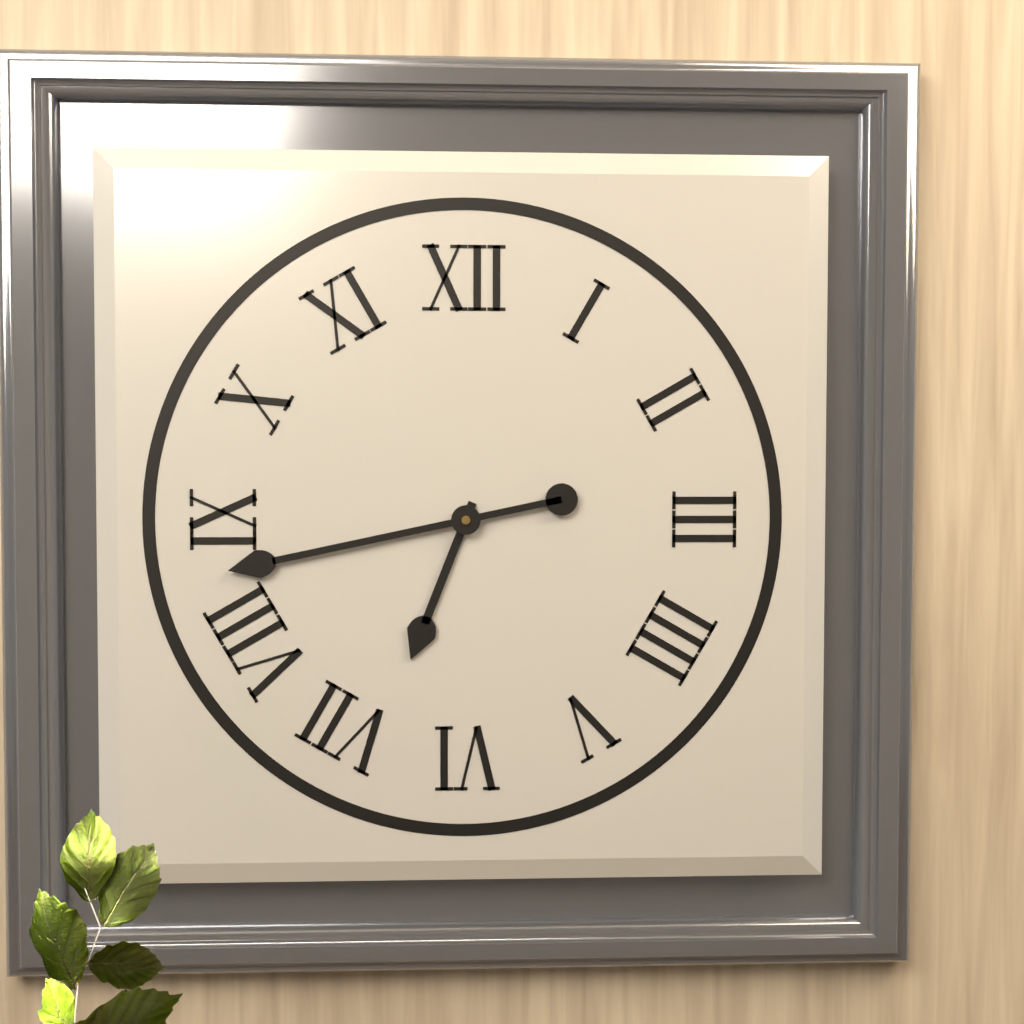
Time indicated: 6:43
